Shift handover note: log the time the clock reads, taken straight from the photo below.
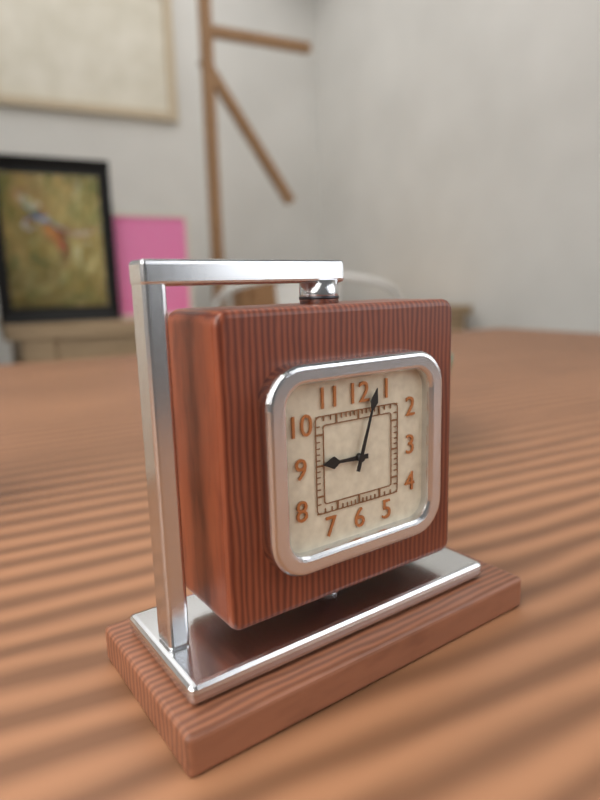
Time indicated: 9:03
